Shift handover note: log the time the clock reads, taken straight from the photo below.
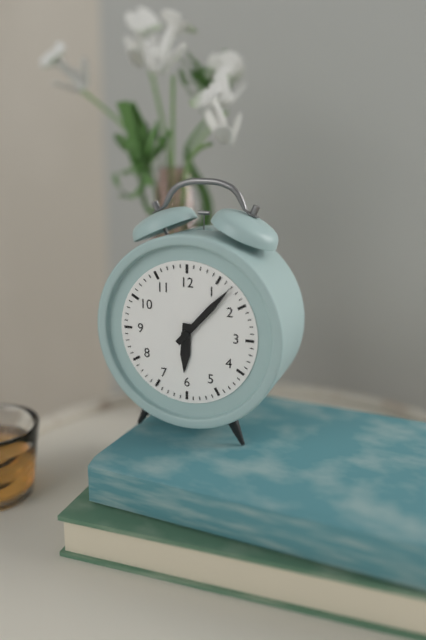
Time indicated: 6:07
